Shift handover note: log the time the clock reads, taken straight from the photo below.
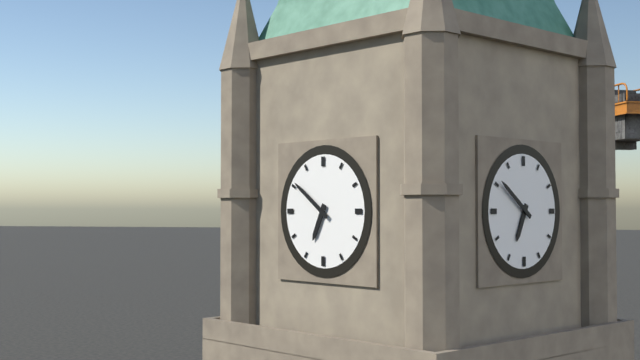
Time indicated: 6:51
